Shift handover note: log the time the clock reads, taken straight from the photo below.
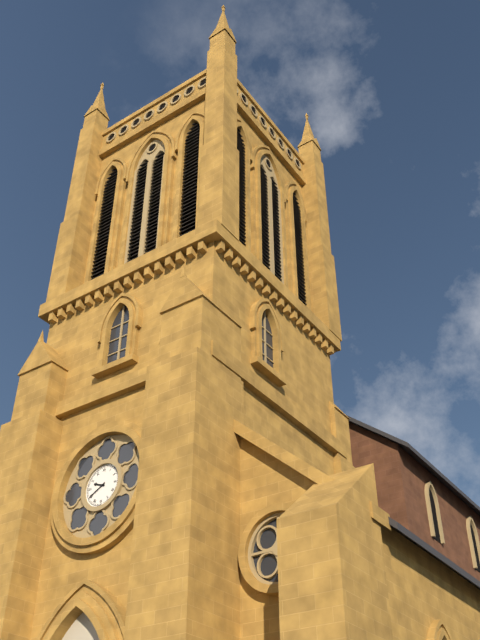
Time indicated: 9:40
